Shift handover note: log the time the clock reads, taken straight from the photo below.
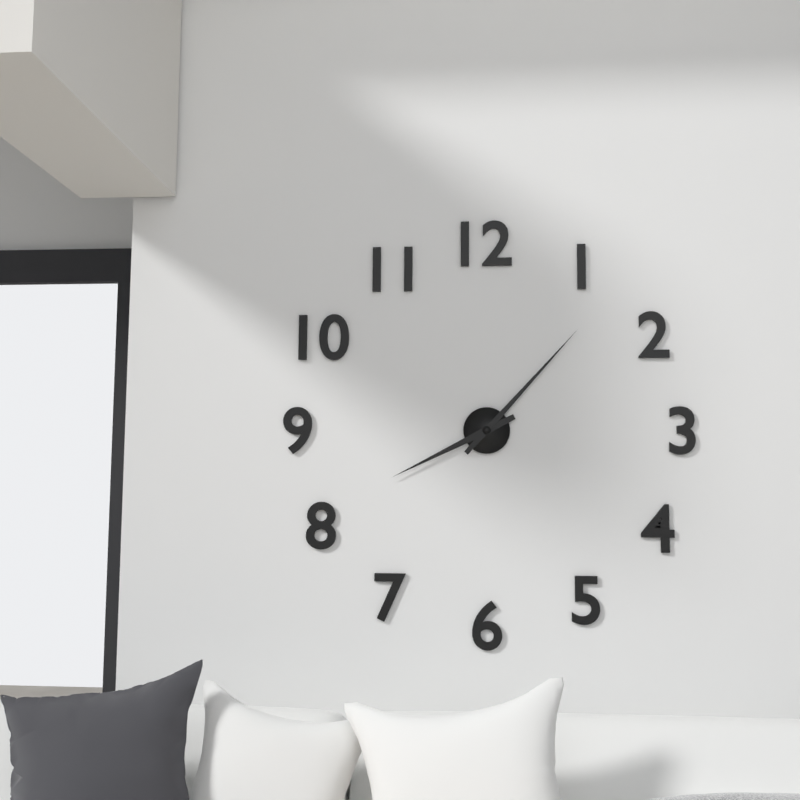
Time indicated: 8:07
